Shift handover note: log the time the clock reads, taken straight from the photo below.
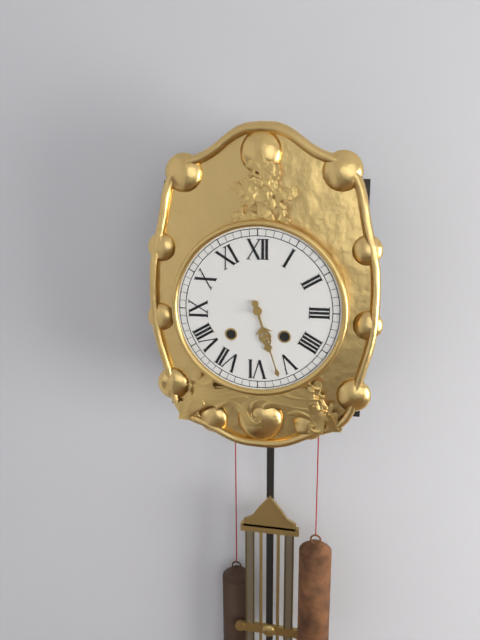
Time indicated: 5:27
